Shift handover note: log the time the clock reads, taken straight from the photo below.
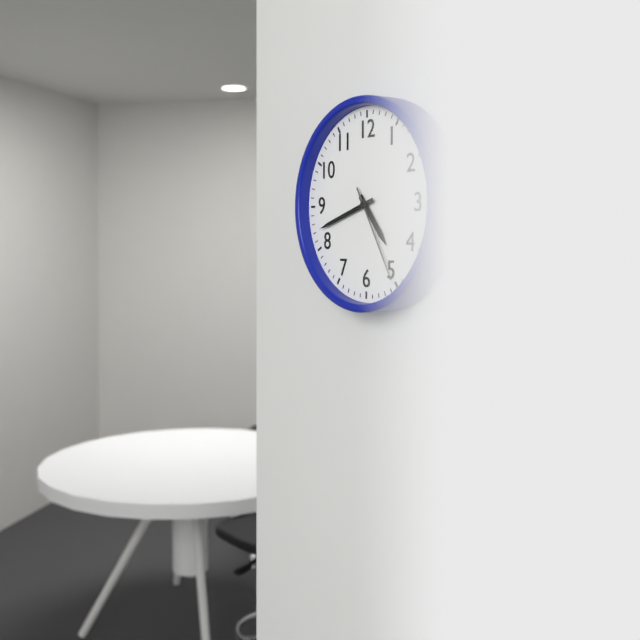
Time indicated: 4:42:25
